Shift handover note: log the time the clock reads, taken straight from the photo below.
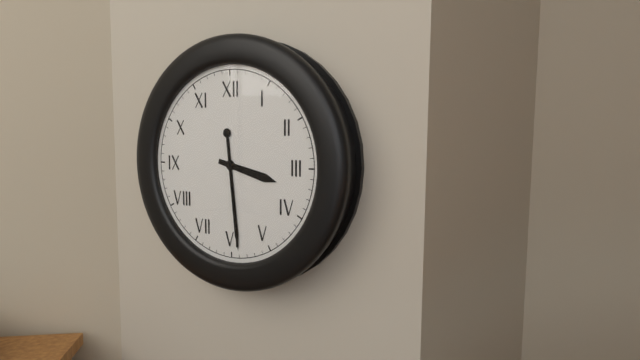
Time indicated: 3:29
